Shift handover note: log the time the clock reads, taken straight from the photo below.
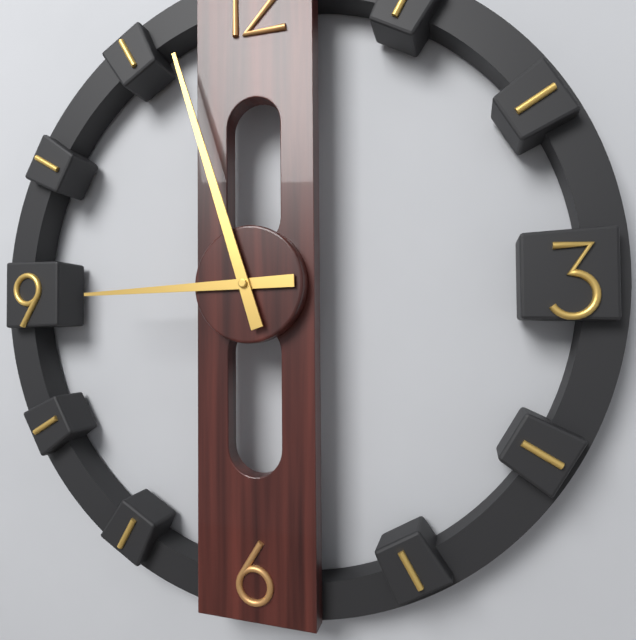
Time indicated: 8:57
